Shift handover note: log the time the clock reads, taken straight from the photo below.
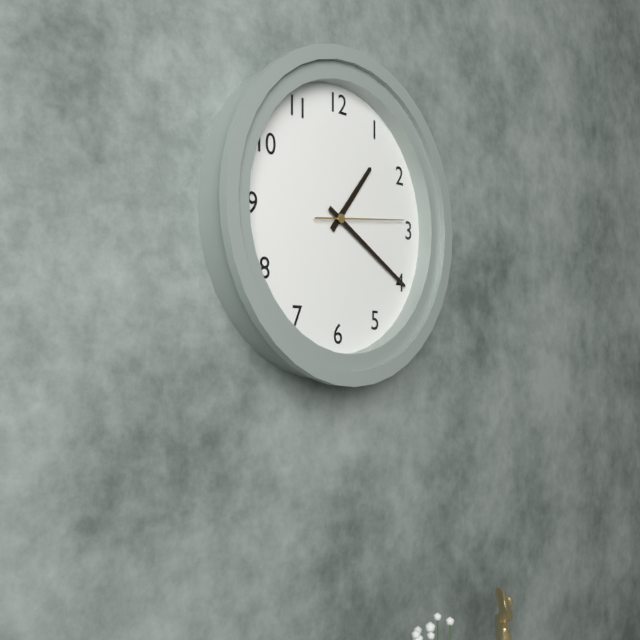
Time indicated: 1:20:14
